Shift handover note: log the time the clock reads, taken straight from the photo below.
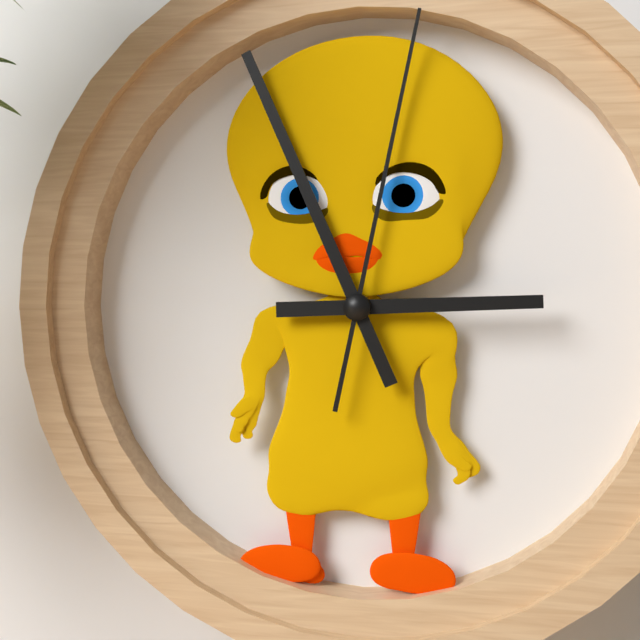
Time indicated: 2:56:02
